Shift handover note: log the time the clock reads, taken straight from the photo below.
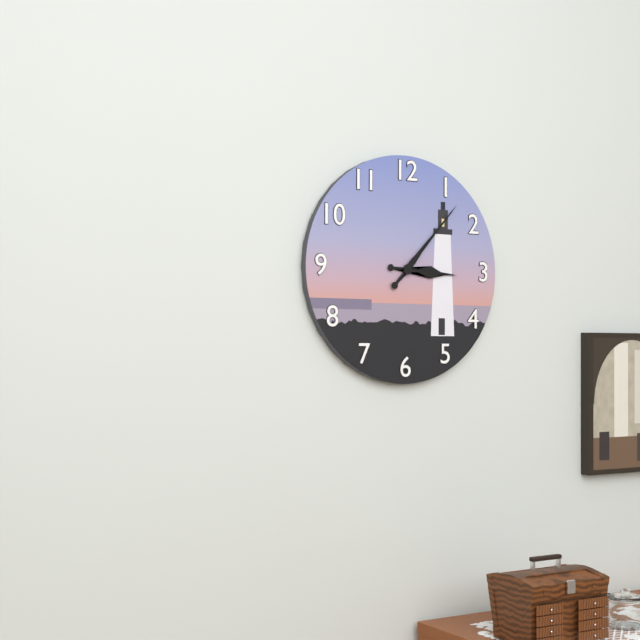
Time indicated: 3:07
